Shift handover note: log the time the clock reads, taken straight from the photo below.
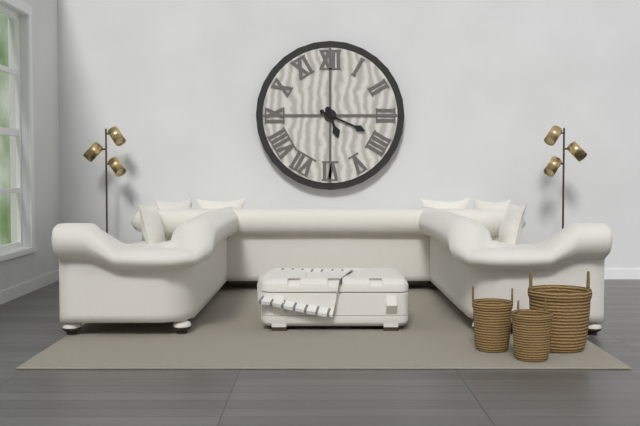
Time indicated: 5:19
